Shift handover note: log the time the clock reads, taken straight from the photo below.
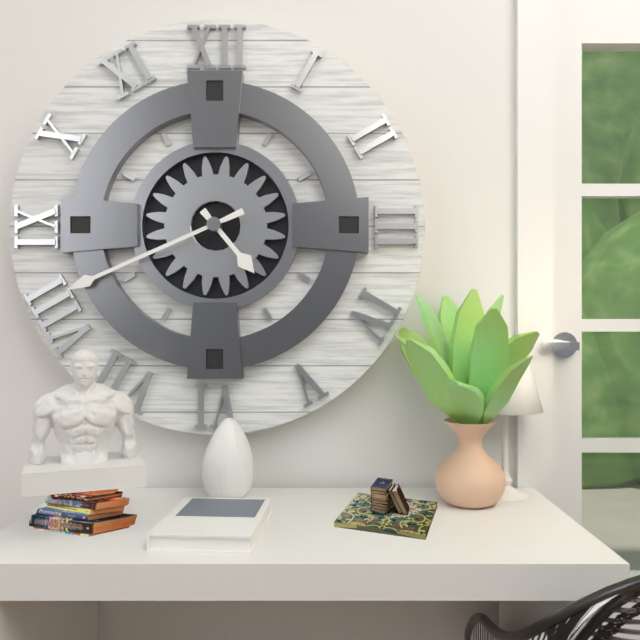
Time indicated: 4:41
